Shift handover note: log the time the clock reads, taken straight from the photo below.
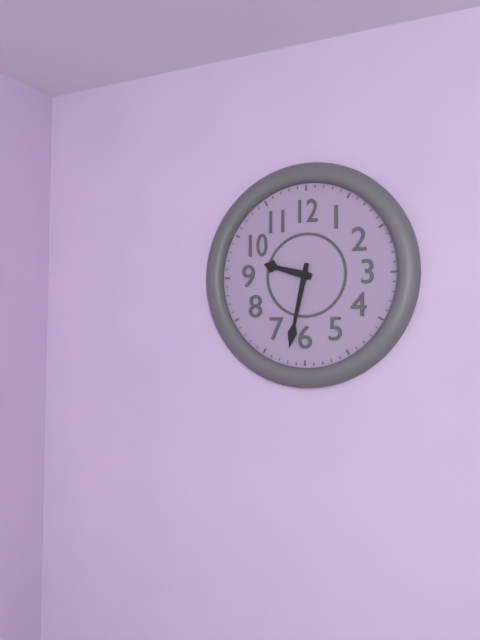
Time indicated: 9:32
